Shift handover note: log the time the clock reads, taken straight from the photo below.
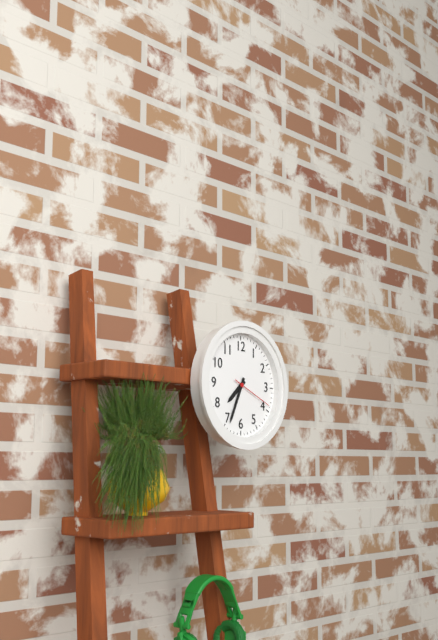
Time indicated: 7:34
